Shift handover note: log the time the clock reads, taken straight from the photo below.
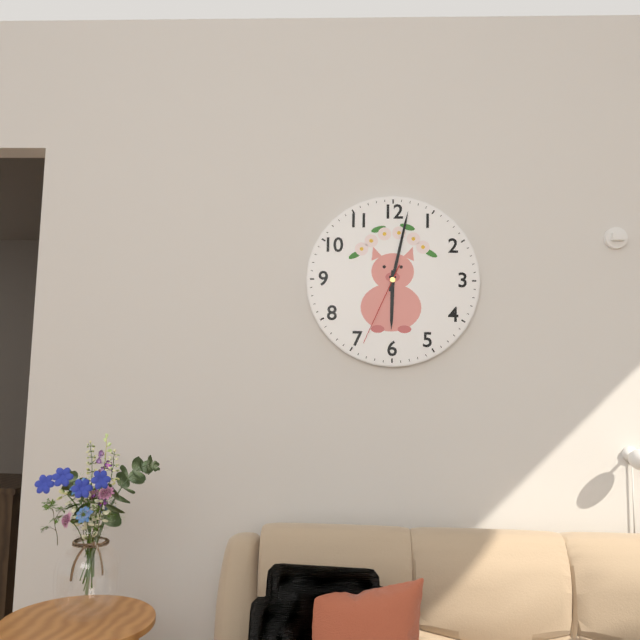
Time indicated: 6:02:34
